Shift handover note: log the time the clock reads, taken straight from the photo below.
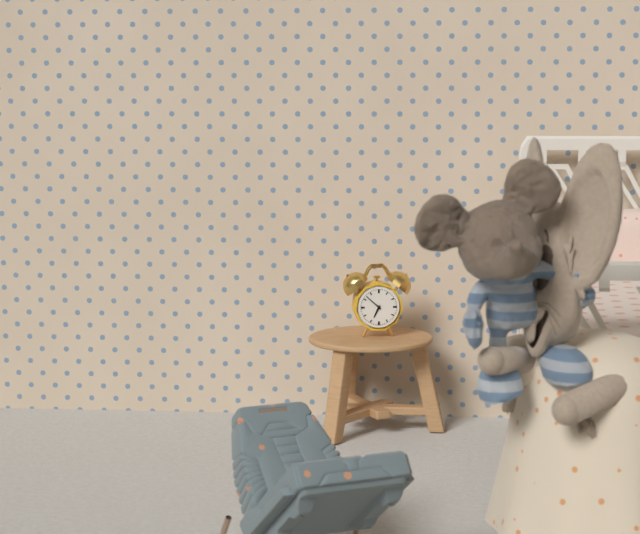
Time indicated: 6:52
